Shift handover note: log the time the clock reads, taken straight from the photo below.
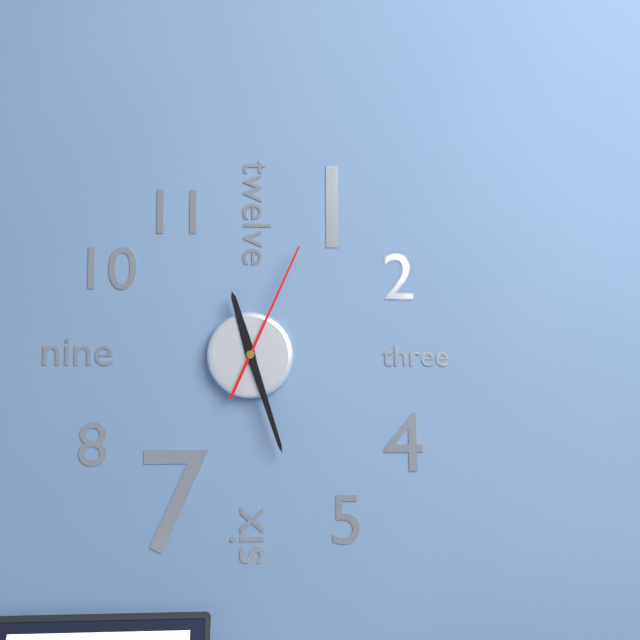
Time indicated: 11:27:04
